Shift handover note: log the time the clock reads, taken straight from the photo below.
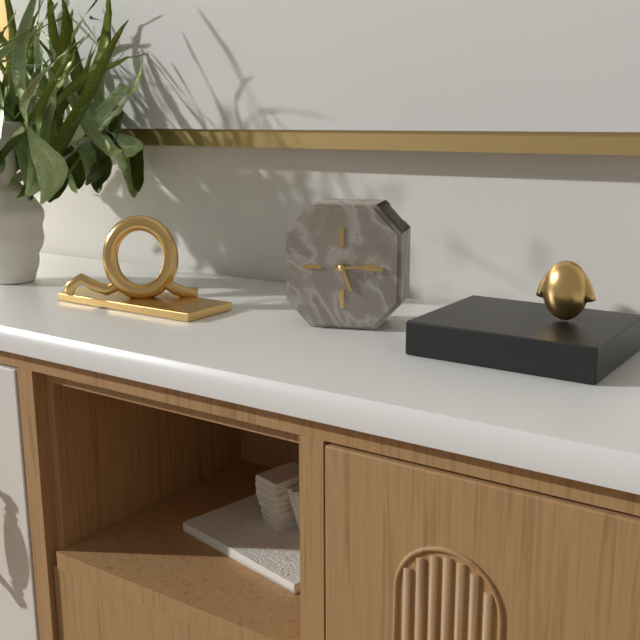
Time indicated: 5:14
